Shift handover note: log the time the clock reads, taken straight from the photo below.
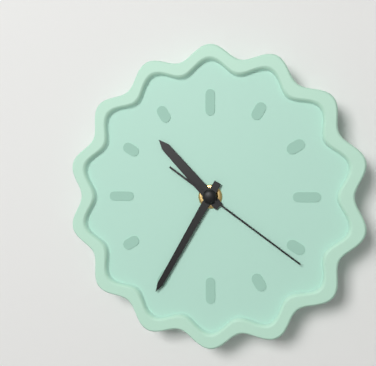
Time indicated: 10:35:21
